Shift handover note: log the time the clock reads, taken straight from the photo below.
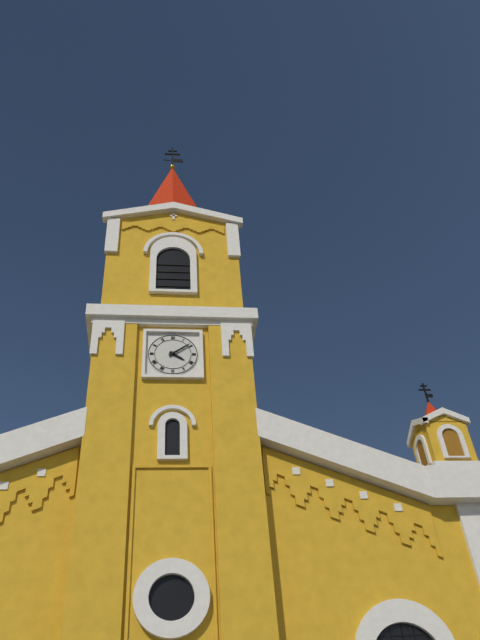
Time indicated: 4:09
